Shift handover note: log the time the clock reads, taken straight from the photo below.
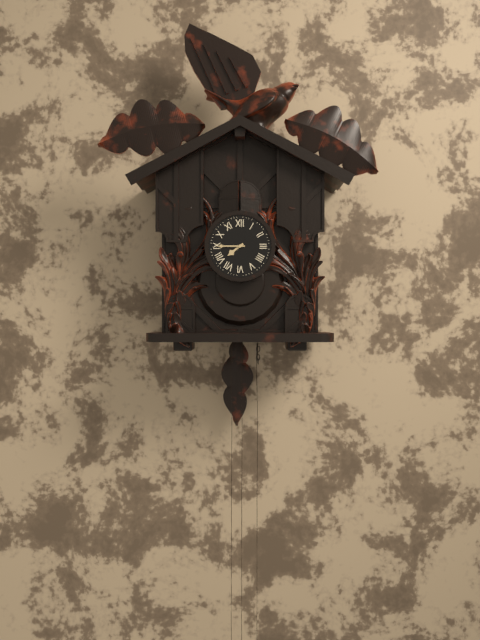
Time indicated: 7:45
